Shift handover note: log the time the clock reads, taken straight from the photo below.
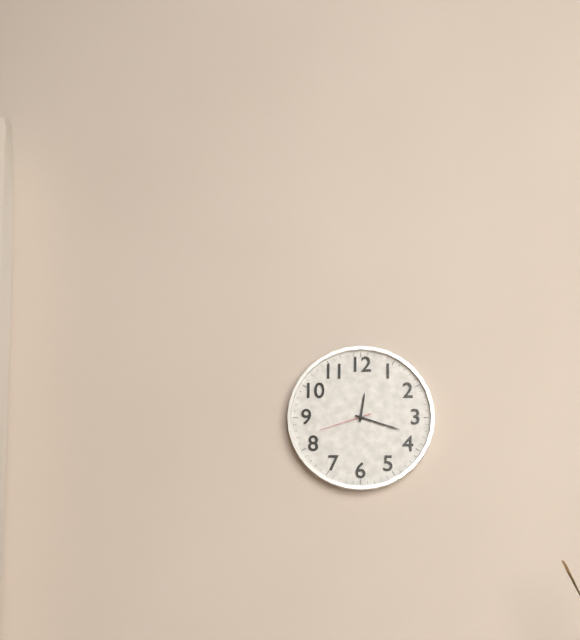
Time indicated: 12:18:42
